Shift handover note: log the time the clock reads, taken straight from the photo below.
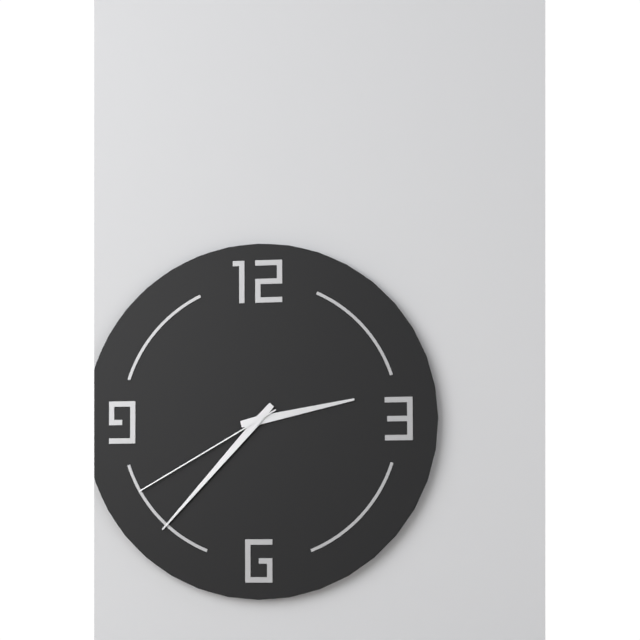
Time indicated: 2:37:40
